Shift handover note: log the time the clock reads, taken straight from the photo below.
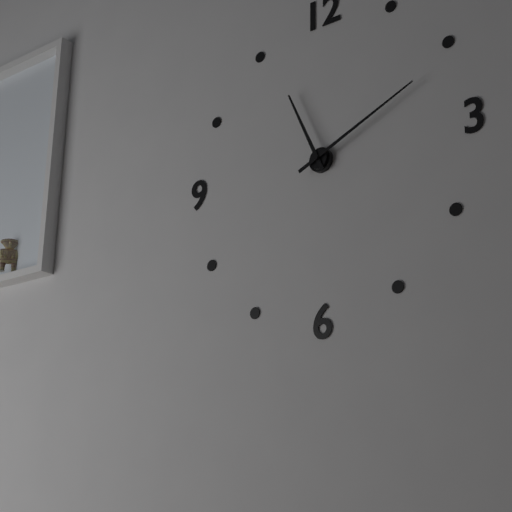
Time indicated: 11:11
